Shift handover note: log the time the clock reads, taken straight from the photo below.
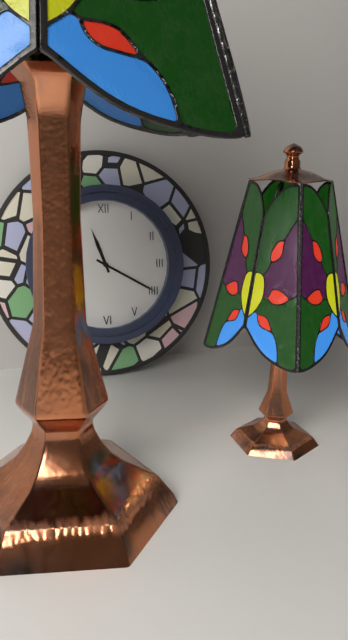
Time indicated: 11:20
